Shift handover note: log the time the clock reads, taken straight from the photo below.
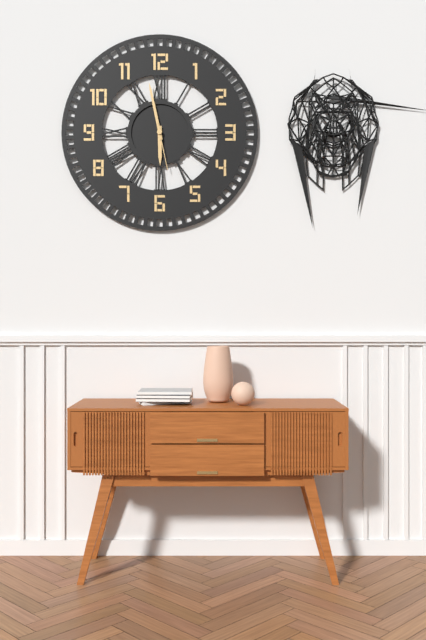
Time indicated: 5:58
